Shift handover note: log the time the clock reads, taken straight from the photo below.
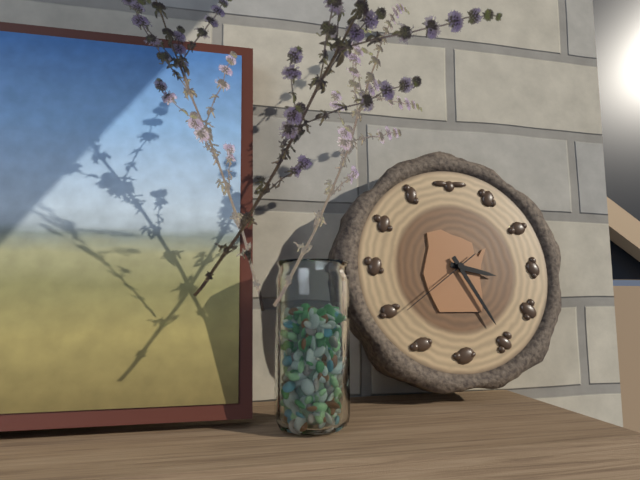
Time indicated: 3:25:39
